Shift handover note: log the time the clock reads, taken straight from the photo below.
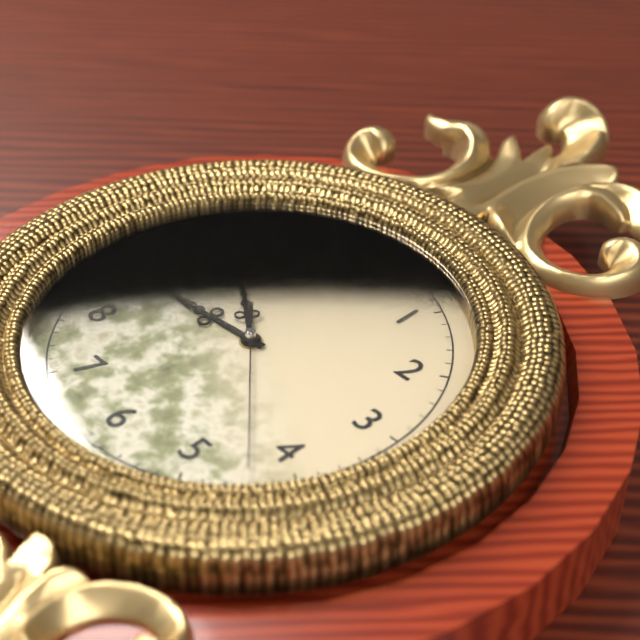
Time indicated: 8:51:22
